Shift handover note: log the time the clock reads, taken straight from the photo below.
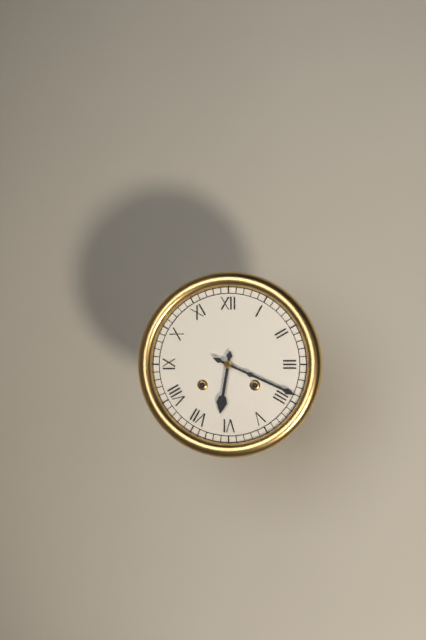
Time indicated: 6:19
